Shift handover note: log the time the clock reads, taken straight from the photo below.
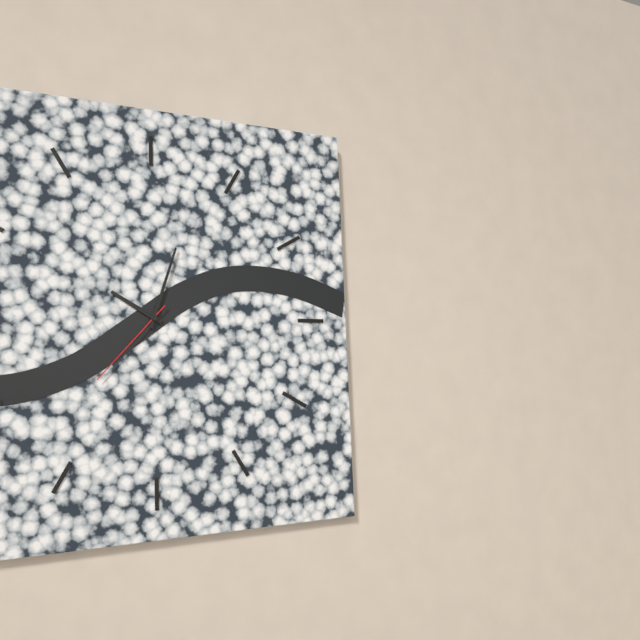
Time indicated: 10:03:37
